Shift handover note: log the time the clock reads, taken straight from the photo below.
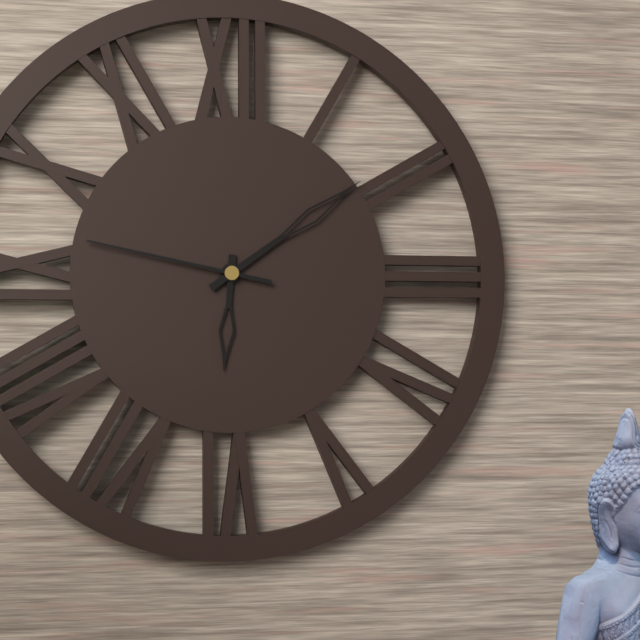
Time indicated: 6:09:47
